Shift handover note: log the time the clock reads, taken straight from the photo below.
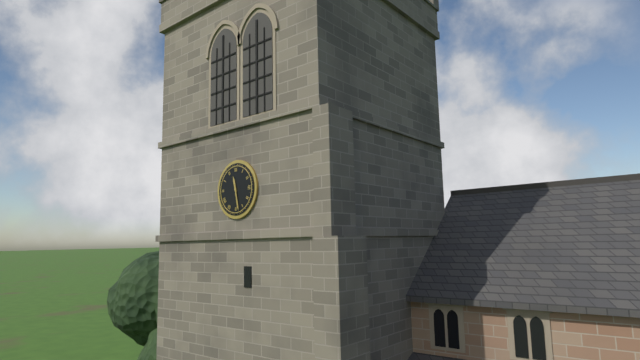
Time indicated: 11:28
